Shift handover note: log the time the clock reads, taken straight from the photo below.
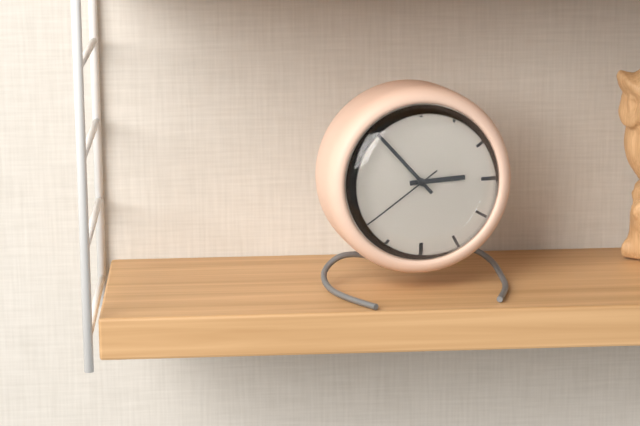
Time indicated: 2:53:39
